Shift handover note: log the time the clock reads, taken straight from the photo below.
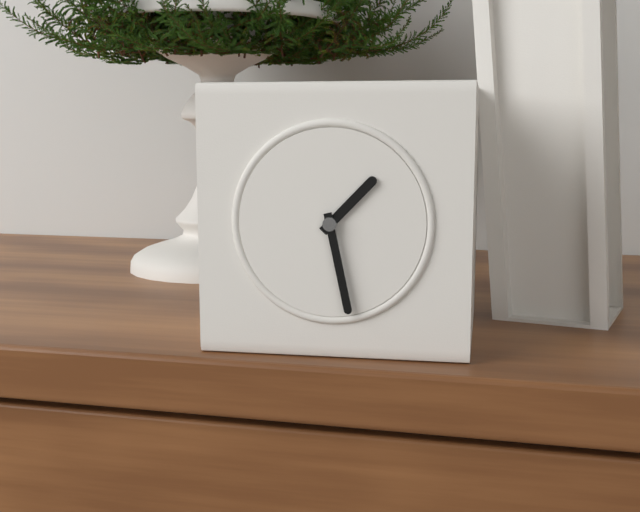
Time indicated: 1:28
